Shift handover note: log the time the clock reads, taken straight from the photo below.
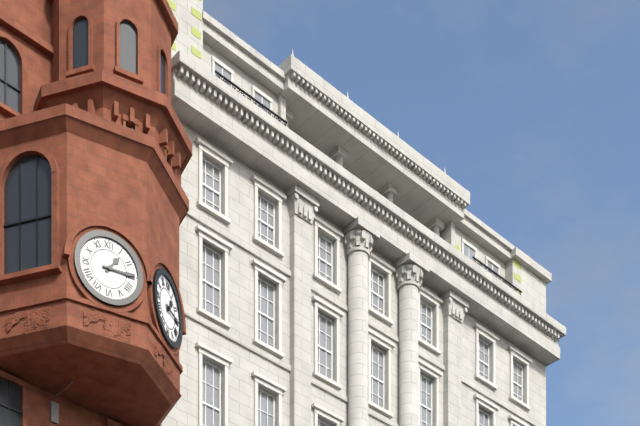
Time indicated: 1:15
